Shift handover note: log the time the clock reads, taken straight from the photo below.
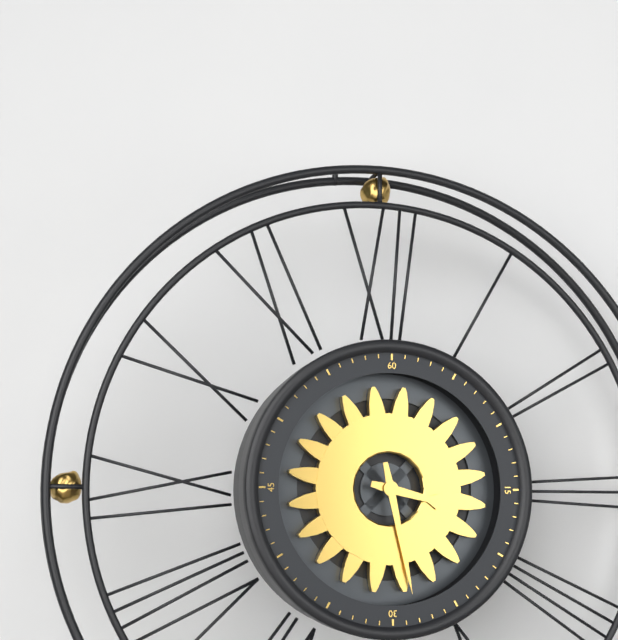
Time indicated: 3:28
